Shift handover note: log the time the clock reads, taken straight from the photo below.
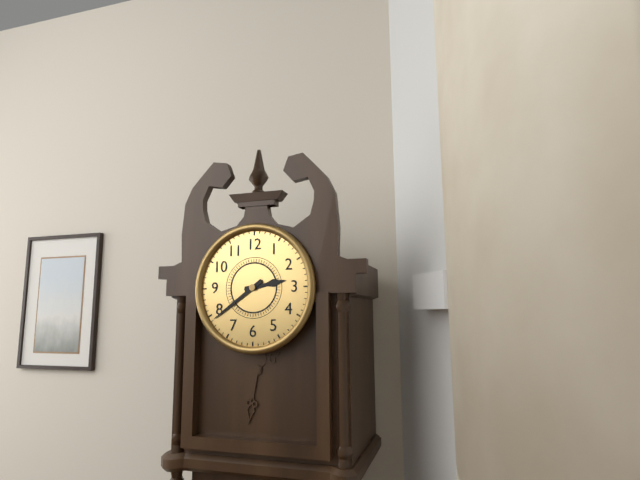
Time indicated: 2:39
